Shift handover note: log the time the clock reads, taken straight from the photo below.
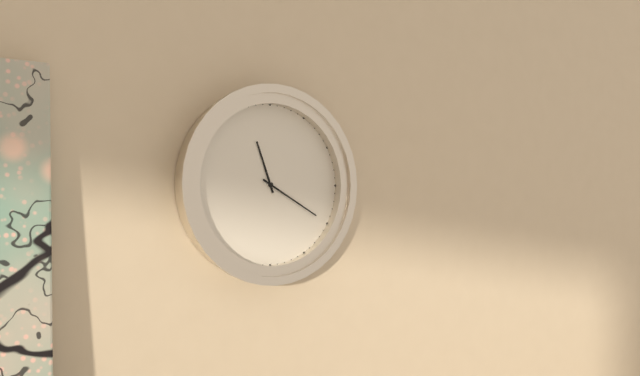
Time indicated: 11:20
